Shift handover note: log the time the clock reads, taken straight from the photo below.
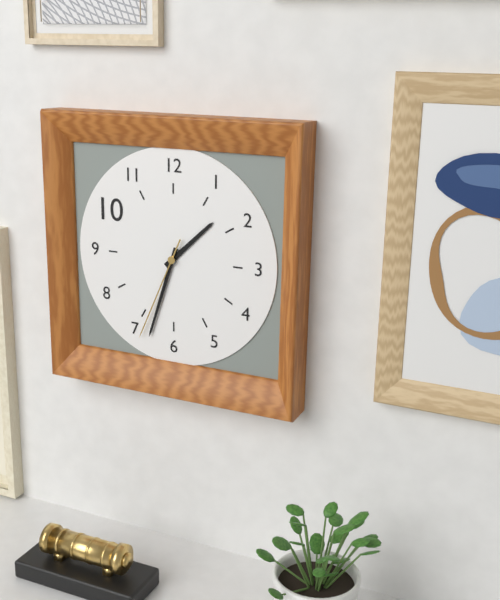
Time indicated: 1:33:34
